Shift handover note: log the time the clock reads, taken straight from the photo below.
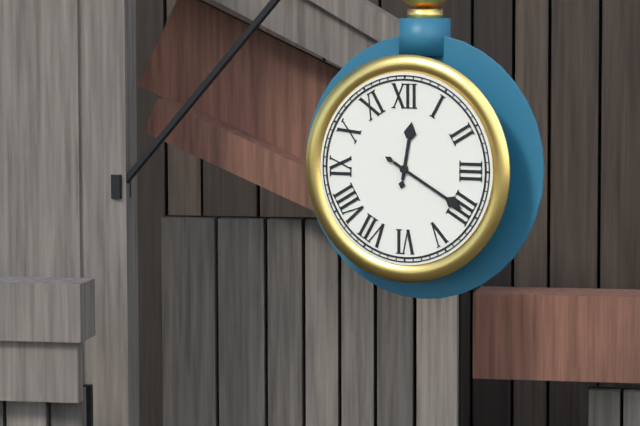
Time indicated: 12:20
